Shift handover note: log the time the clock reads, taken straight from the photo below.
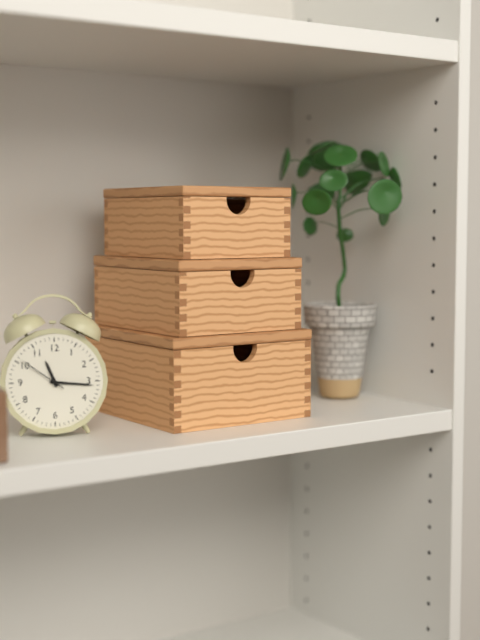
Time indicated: 11:16:51
